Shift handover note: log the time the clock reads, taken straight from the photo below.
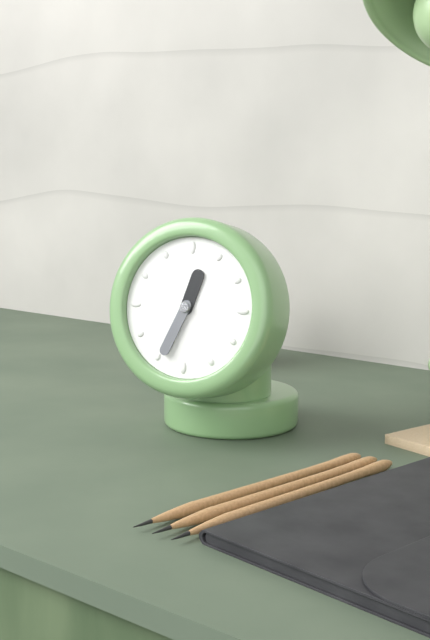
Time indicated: 12:34
